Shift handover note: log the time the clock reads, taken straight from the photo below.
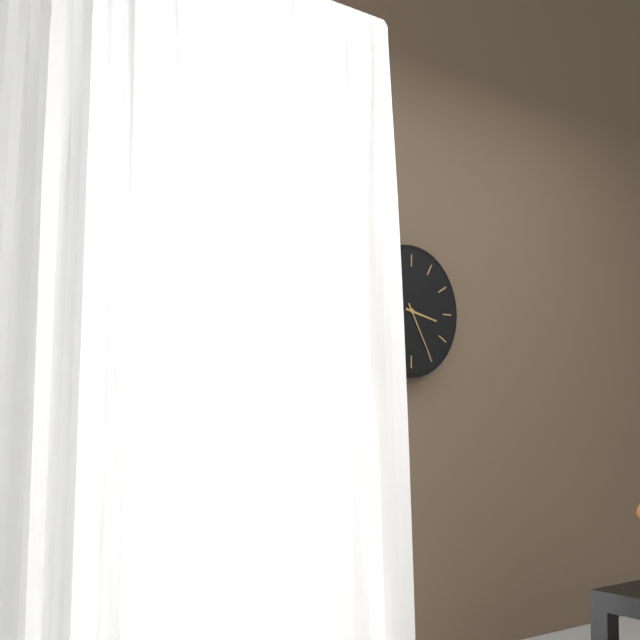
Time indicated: 3:25
